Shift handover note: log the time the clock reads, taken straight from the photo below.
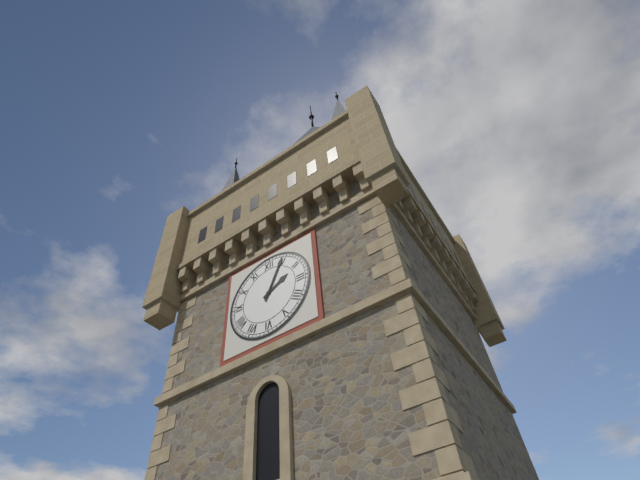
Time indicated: 2:04
